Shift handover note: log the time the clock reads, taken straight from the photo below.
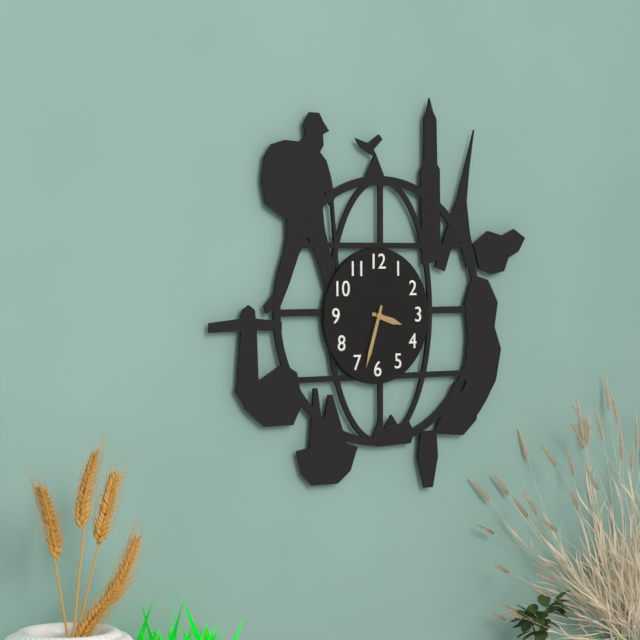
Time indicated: 3:33
